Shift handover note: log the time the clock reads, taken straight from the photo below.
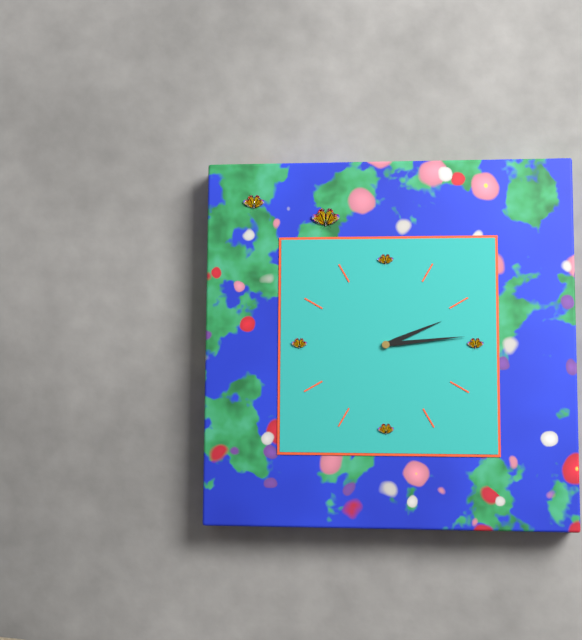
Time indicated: 2:14
